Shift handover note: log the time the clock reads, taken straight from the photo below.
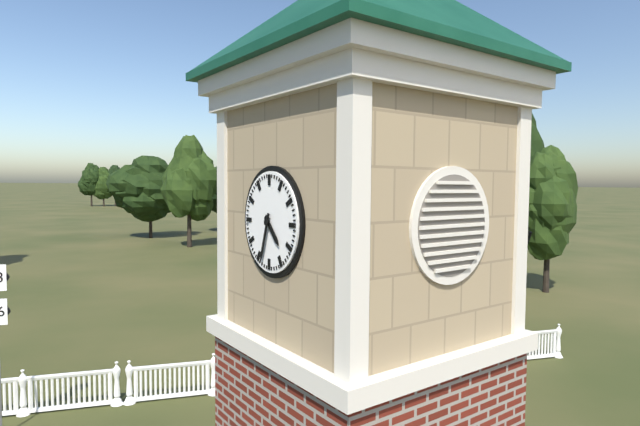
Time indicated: 4:33
